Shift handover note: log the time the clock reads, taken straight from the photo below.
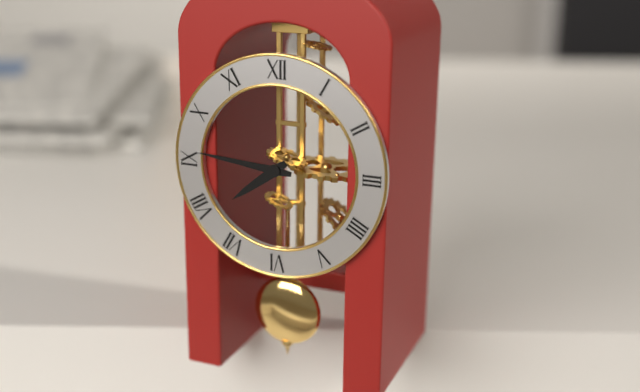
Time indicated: 7:46
